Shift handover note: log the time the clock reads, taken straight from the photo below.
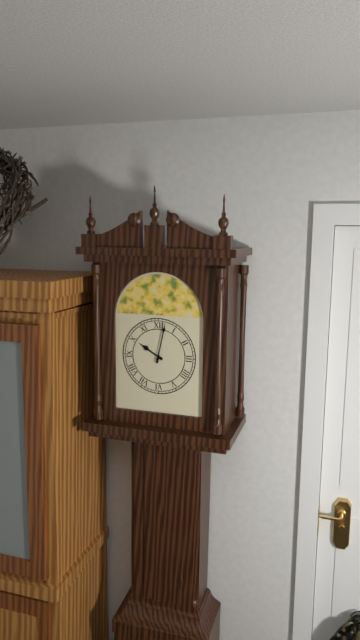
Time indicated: 10:02
